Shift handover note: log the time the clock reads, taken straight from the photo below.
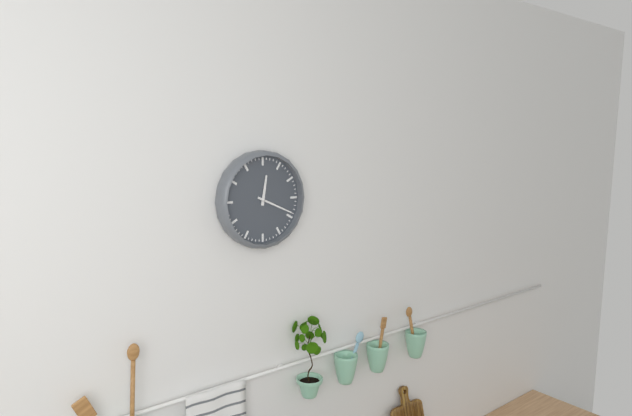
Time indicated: 12:19
